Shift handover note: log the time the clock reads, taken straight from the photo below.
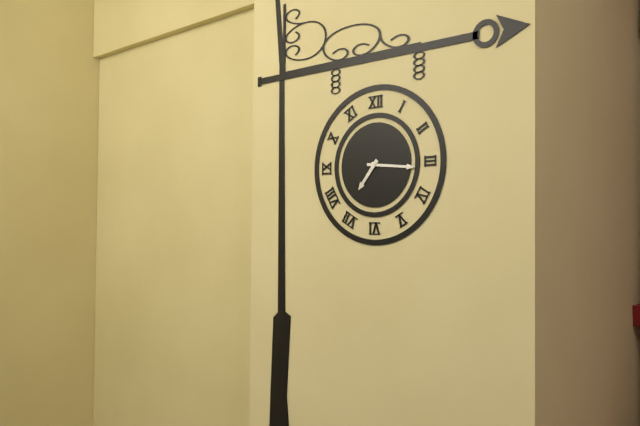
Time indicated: 7:16
